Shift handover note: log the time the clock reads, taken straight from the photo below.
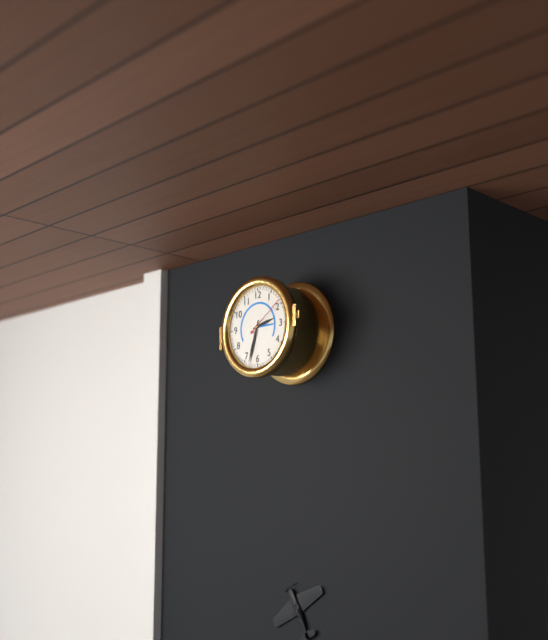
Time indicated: 2:33
